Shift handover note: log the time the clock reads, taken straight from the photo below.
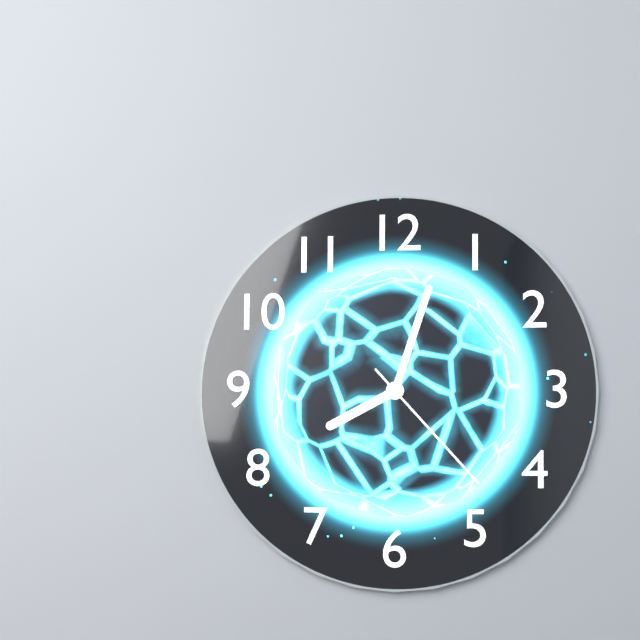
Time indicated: 8:03:23
